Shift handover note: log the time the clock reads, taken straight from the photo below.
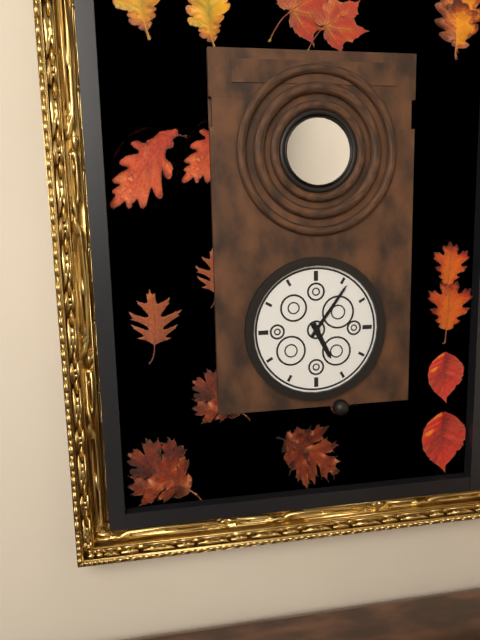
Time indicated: 5:06
